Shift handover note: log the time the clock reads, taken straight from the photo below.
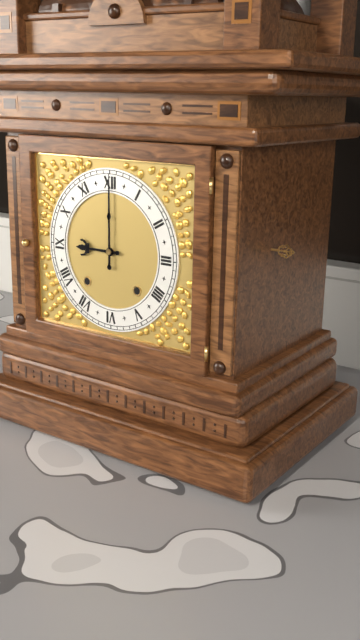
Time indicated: 9:00
